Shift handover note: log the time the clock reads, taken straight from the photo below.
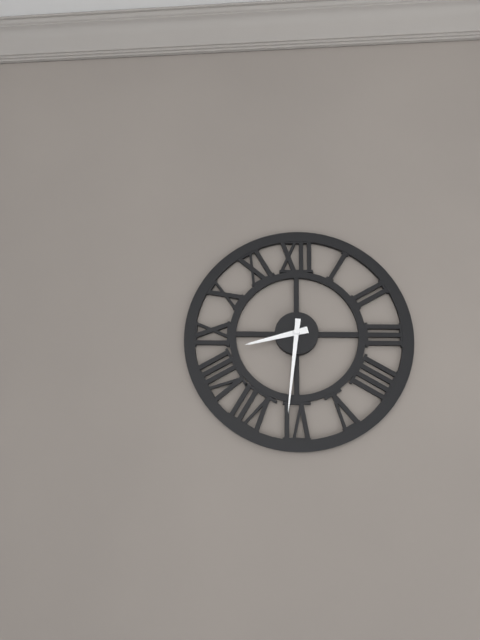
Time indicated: 8:31
